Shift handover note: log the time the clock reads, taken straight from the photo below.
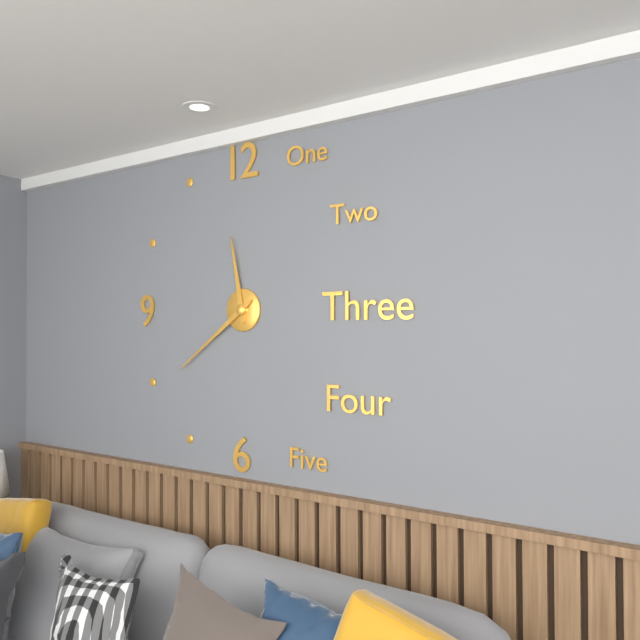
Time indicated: 11:39
